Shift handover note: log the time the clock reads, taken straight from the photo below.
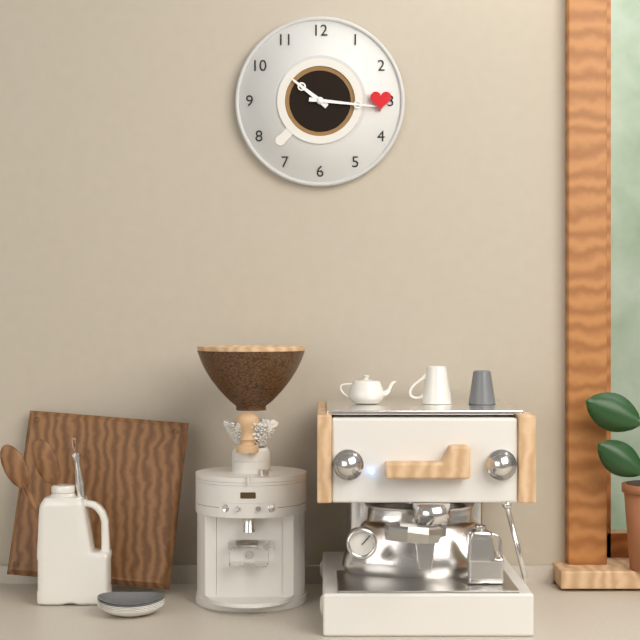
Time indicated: 10:16
